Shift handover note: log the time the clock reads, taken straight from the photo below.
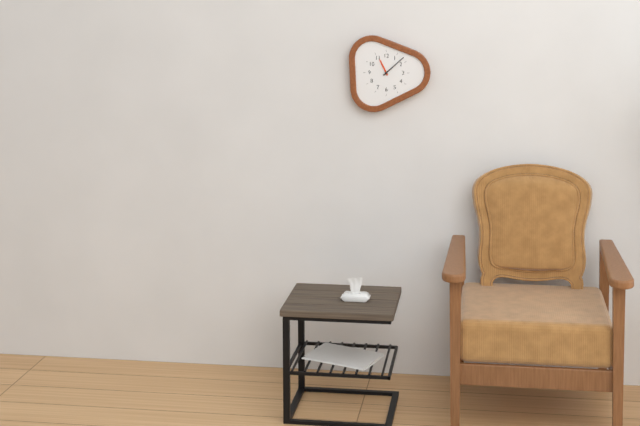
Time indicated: 11:08
